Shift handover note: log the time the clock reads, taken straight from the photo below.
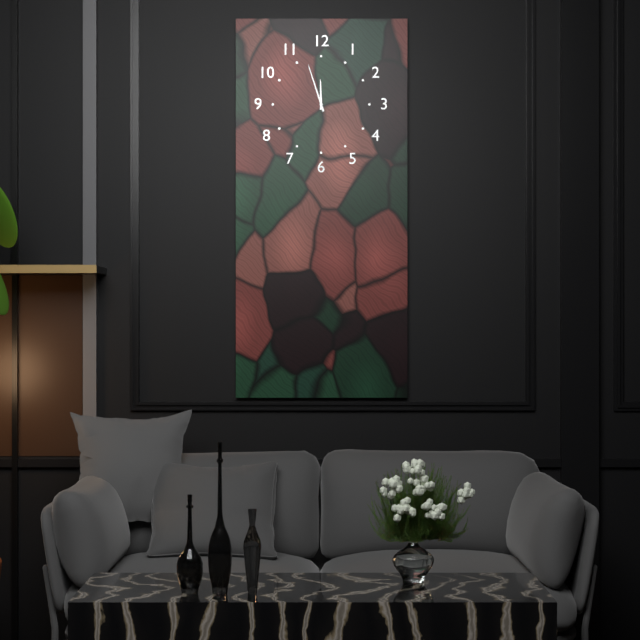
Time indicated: 11:57
